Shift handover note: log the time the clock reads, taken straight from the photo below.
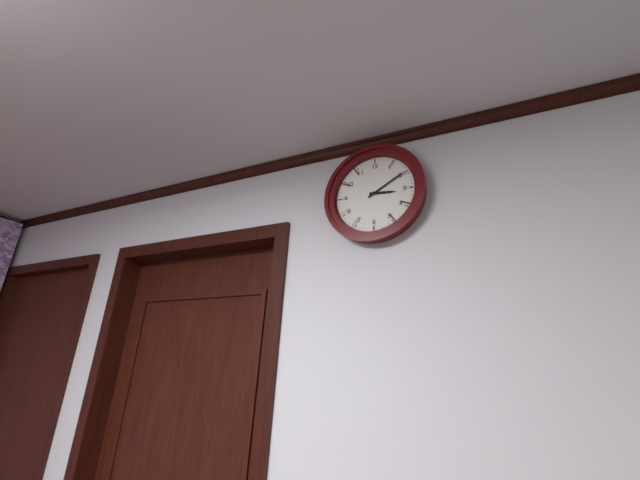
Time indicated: 3:10
